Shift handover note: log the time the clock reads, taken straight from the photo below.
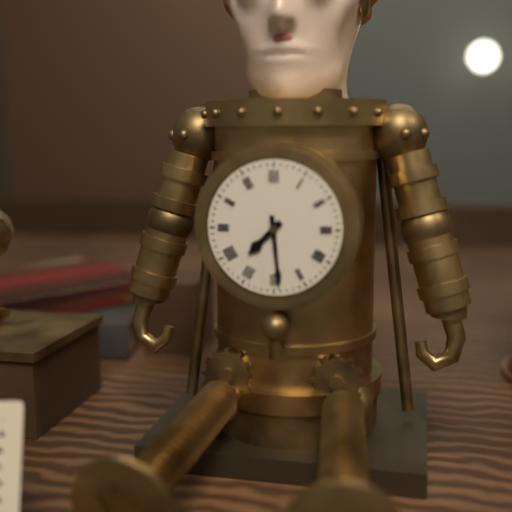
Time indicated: 7:29
